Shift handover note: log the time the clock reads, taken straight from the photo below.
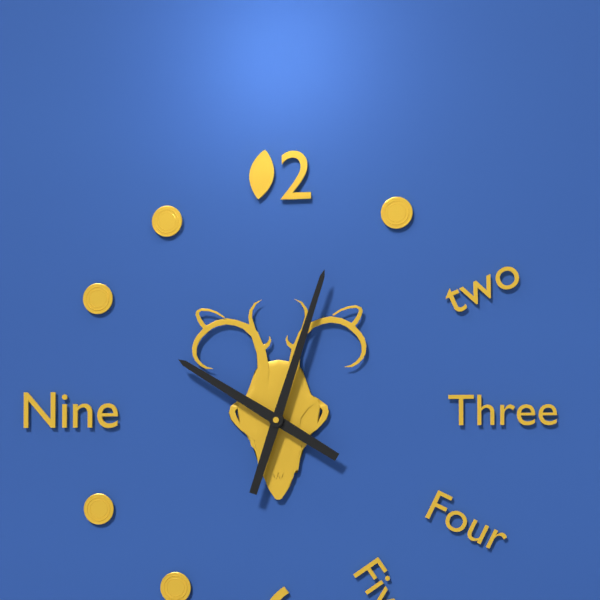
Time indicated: 10:03
